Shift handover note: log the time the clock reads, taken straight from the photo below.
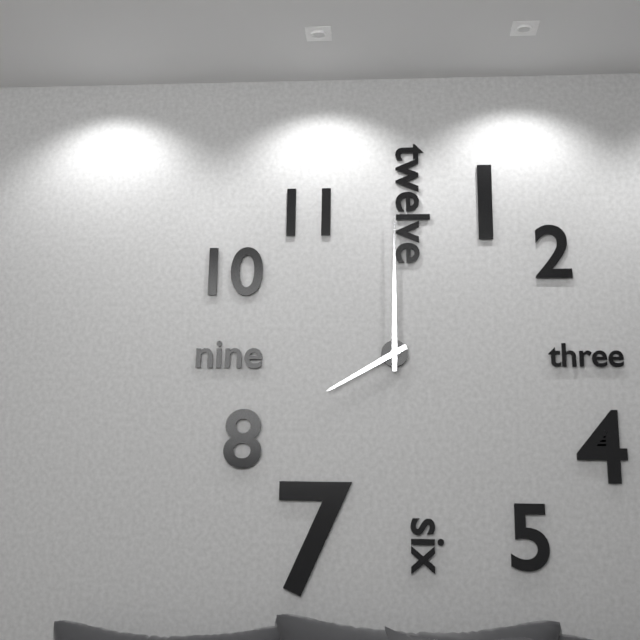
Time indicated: 8:00
